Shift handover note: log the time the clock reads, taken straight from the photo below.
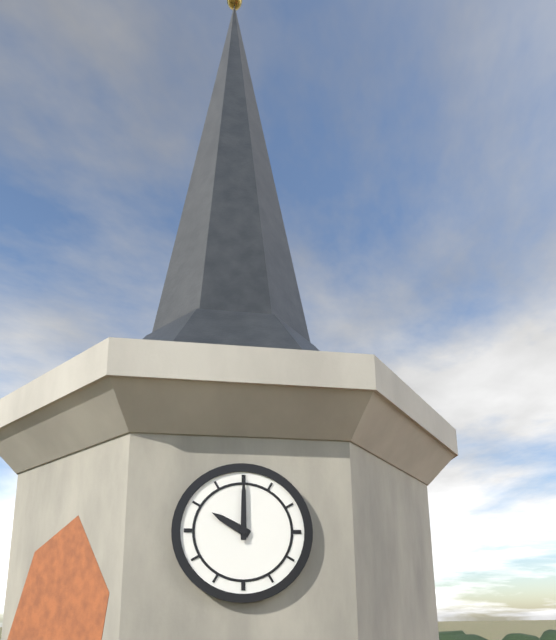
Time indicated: 10:00
